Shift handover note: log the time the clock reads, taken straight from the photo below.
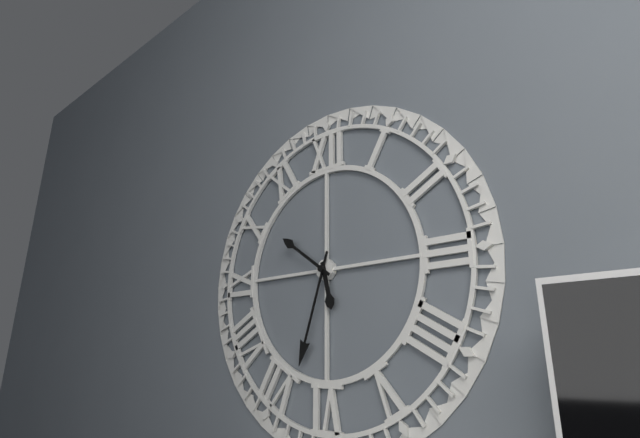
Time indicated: 5:33:51
